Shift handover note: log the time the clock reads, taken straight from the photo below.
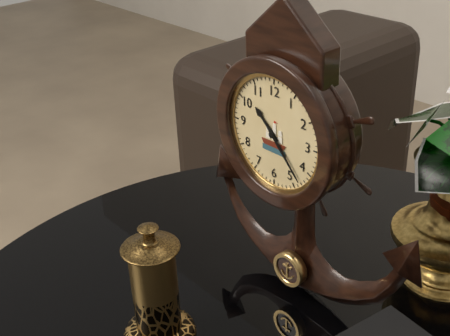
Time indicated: 10:23
